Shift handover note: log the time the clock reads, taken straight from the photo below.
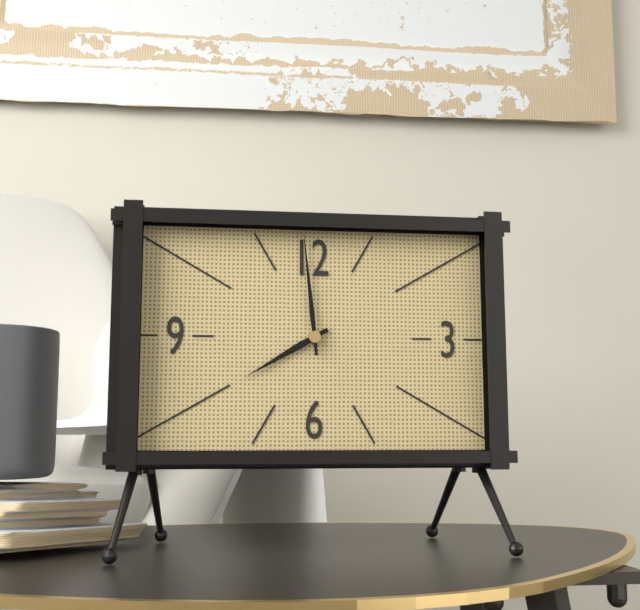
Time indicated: 7:59
